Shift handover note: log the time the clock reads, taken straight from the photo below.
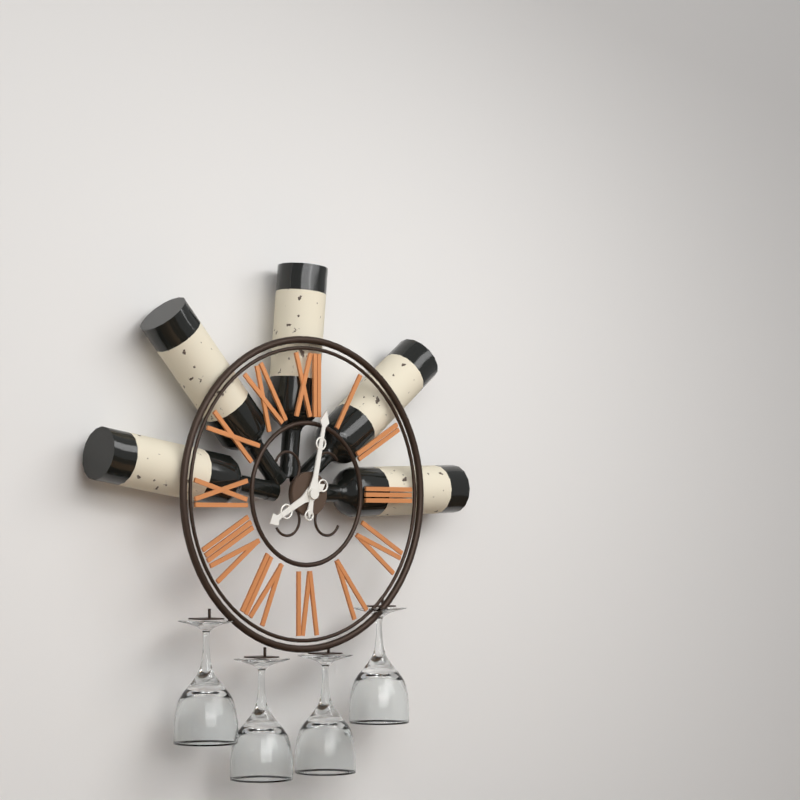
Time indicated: 8:02
